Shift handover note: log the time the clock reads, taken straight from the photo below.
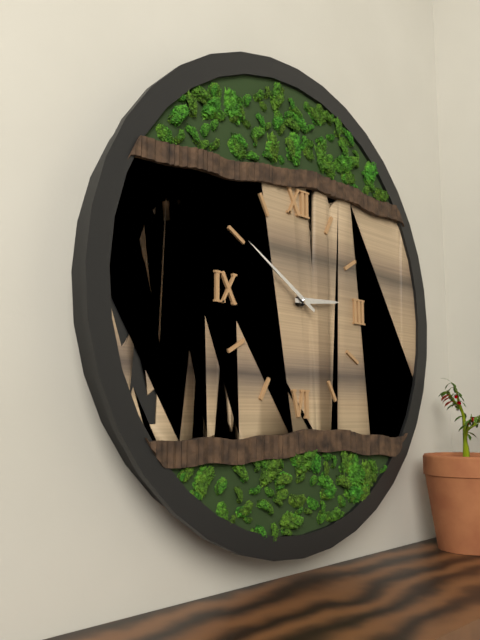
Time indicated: 2:50
